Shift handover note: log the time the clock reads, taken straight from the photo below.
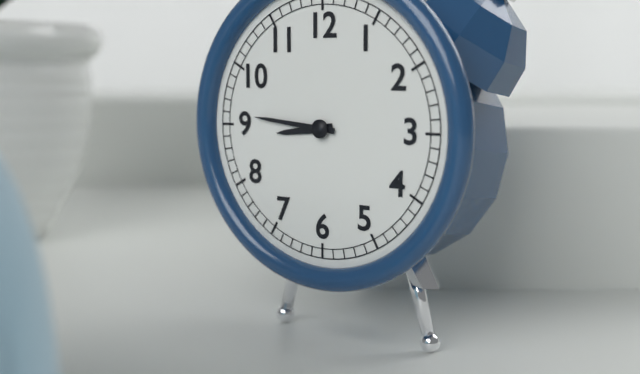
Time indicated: 8:46
